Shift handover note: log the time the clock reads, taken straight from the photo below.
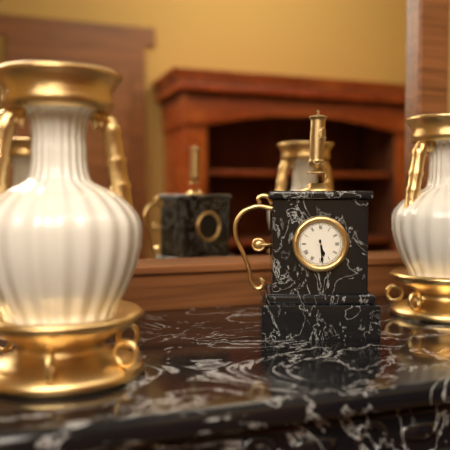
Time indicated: 5:29
